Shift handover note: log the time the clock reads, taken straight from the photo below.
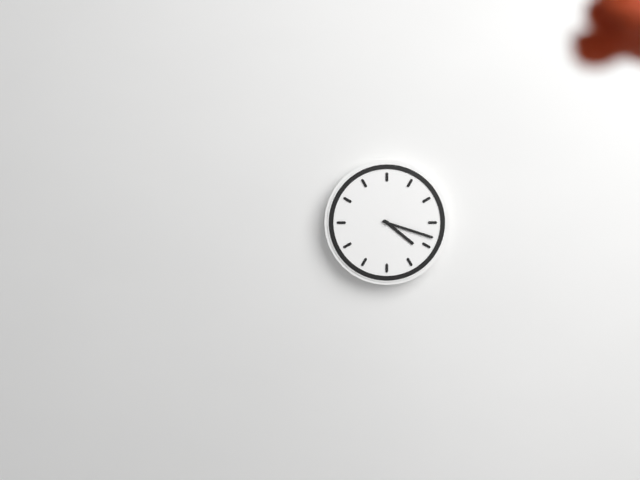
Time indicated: 4:18
